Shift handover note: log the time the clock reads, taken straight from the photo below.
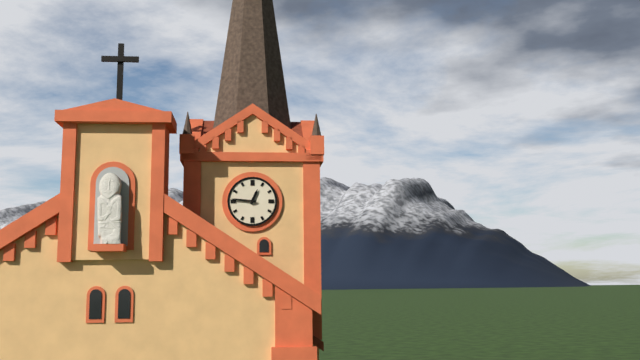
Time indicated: 12:46
